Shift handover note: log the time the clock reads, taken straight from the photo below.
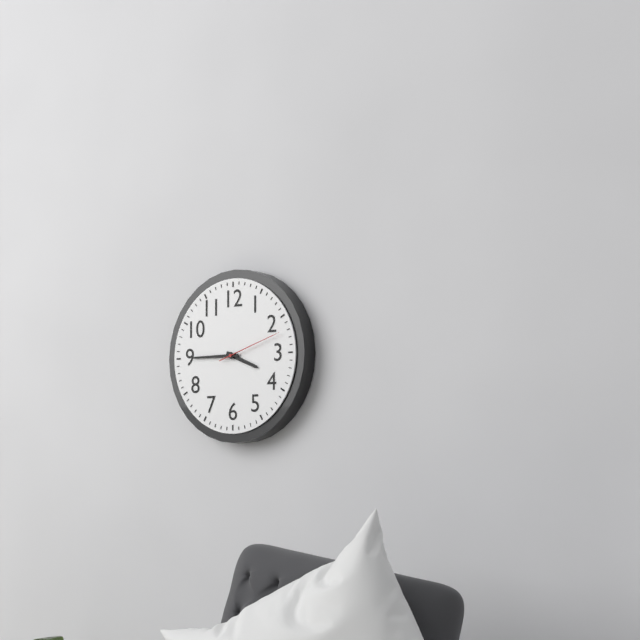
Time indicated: 3:45:12
